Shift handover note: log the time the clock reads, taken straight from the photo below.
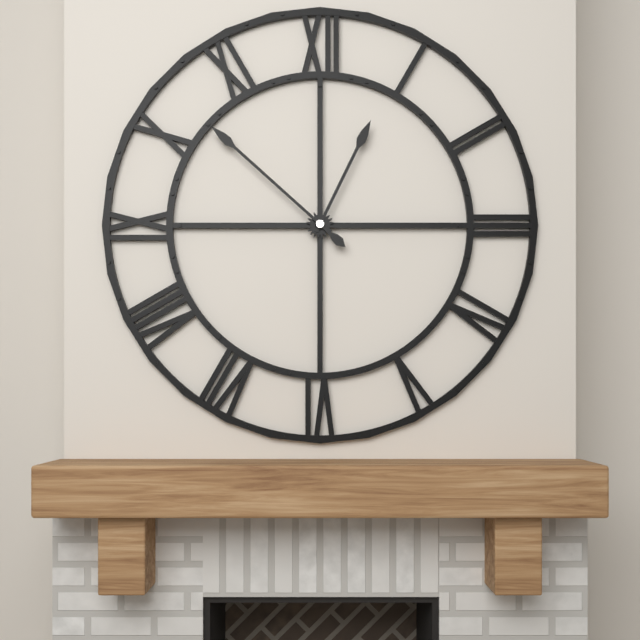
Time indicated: 12:52
